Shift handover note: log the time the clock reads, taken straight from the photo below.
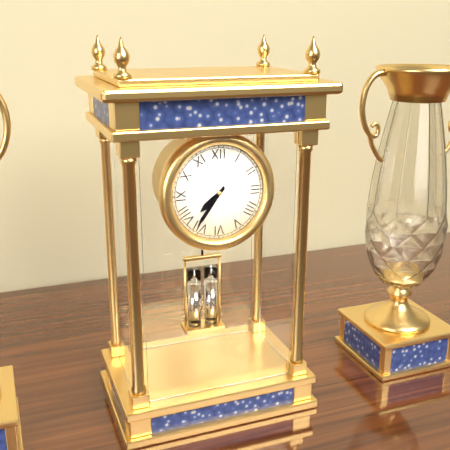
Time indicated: 7:36
